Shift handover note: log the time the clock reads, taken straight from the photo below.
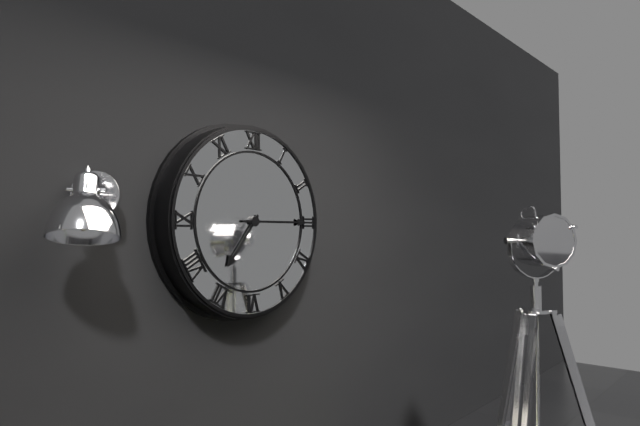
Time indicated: 7:15
